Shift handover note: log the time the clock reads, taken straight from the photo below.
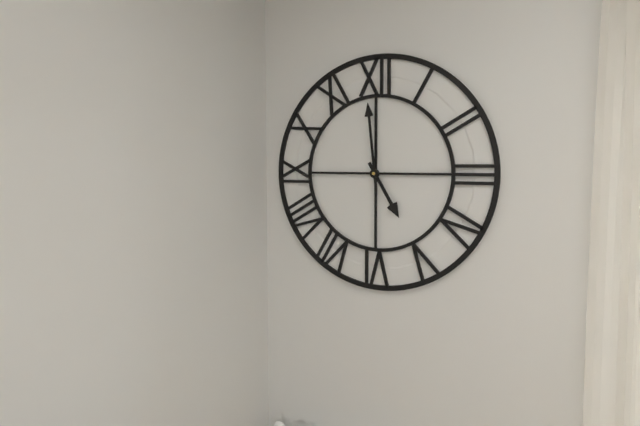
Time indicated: 4:59
